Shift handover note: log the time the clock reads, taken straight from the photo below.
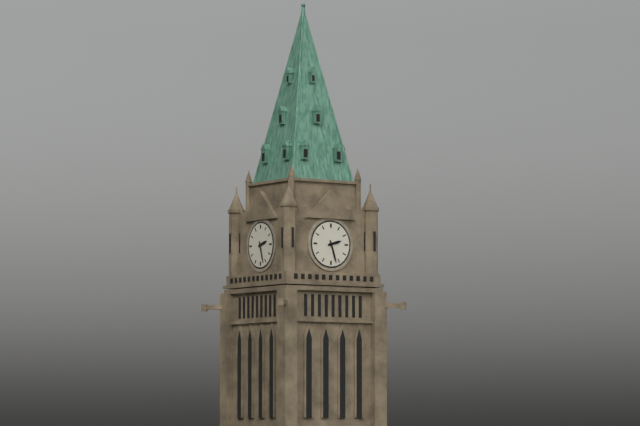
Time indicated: 2:27
